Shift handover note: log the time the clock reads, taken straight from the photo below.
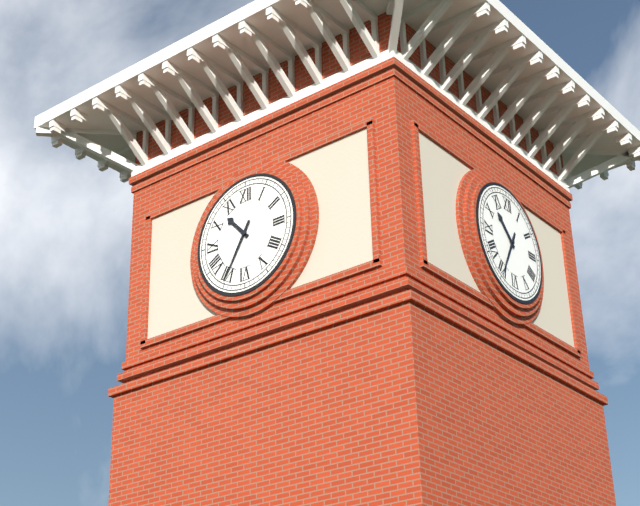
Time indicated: 10:35
